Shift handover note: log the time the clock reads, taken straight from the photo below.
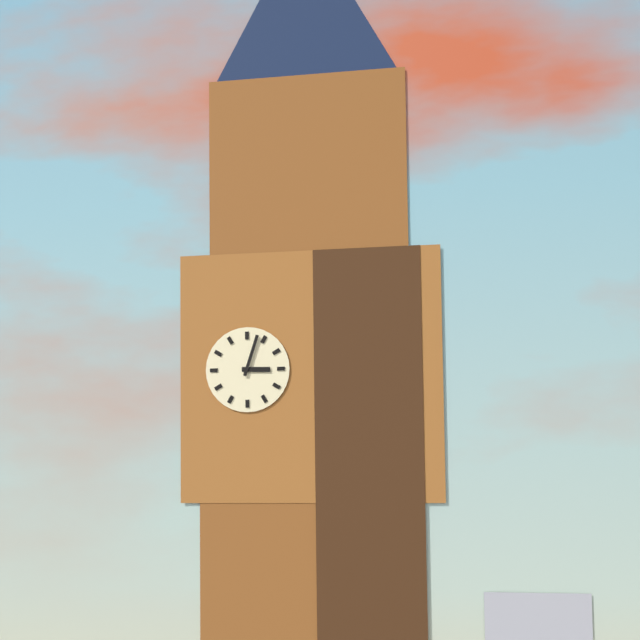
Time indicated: 3:03
